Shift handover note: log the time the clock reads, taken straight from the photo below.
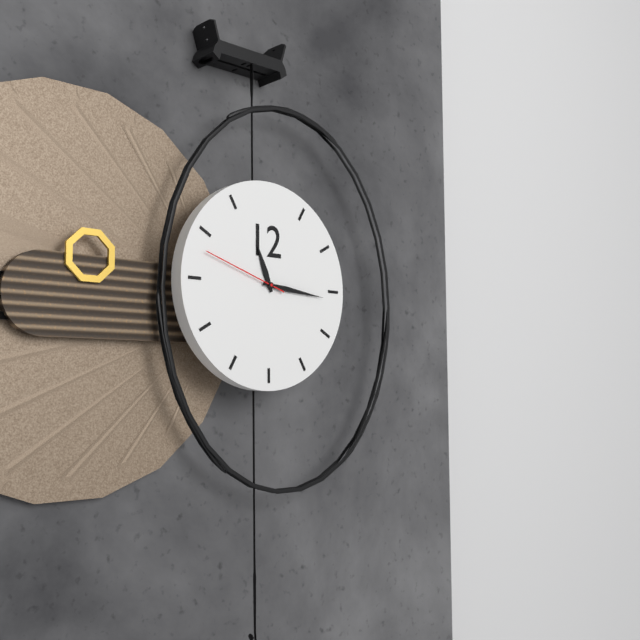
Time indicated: 11:16:48
